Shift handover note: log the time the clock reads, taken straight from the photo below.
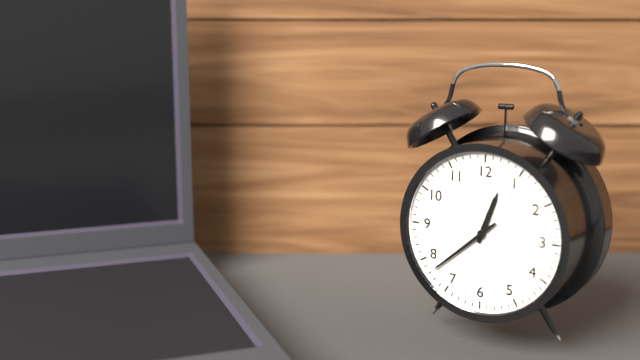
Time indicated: 12:38
